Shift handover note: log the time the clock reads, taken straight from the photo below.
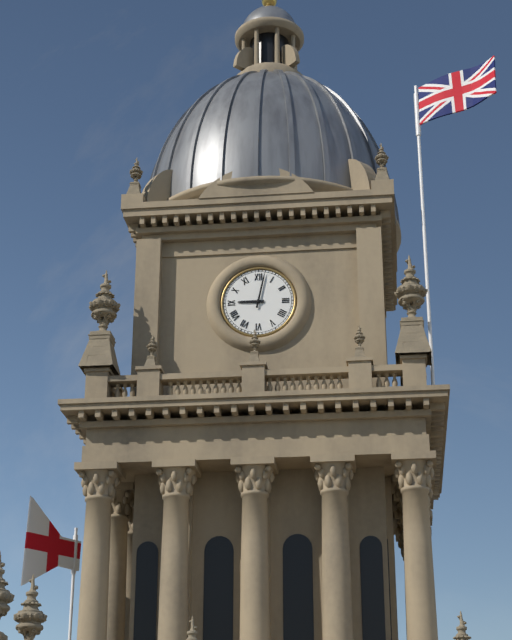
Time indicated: 9:02
